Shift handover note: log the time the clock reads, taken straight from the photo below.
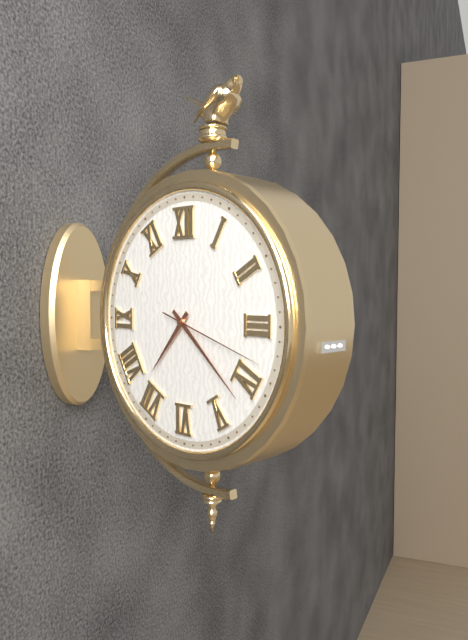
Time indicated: 7:22:18
